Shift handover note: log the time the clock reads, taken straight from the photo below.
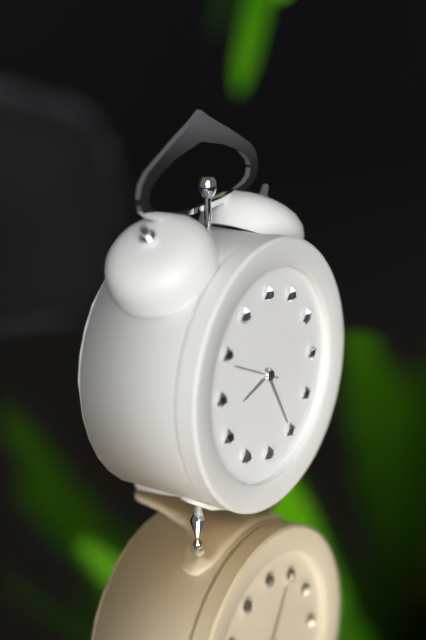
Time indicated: 8:25
